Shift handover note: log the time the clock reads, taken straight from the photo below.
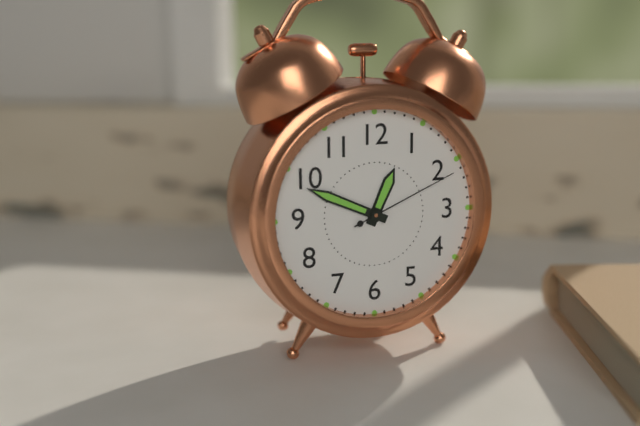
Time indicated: 12:49:11
